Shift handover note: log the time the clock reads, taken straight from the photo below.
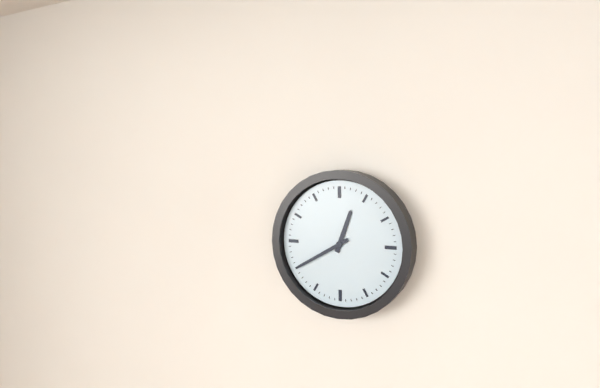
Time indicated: 12:40
